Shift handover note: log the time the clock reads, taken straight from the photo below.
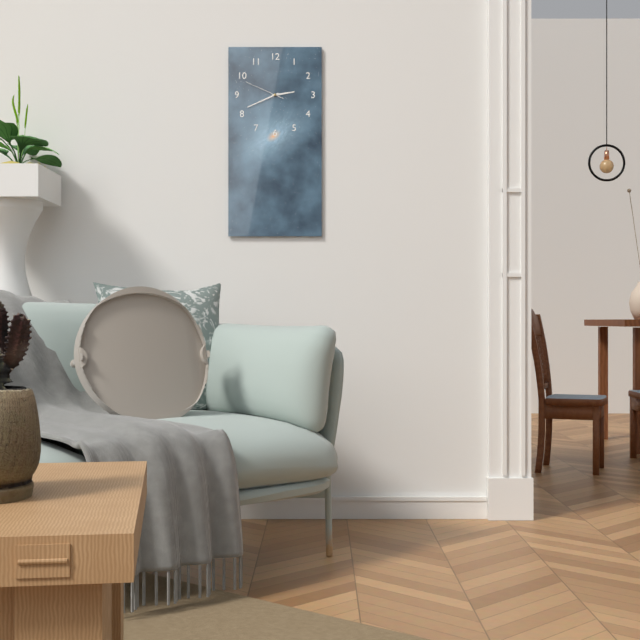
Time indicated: 2:41
